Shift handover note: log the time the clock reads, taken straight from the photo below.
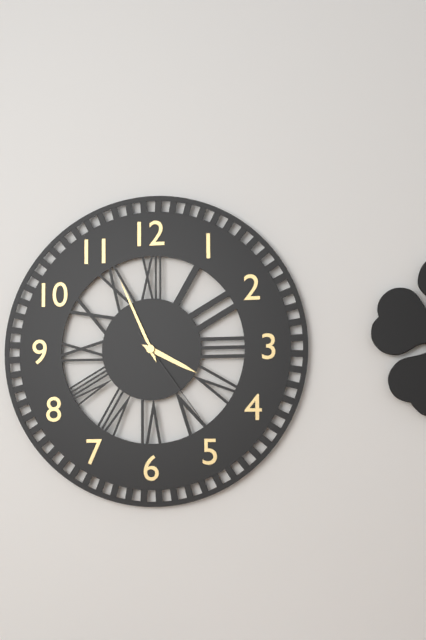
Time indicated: 3:56:24
